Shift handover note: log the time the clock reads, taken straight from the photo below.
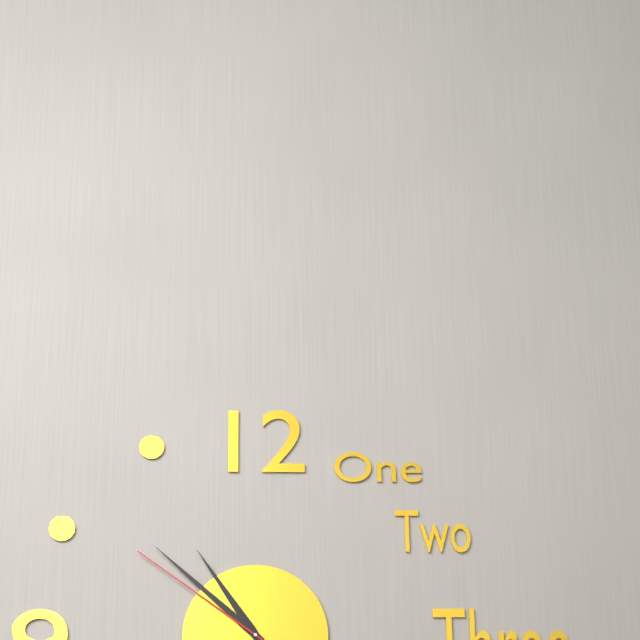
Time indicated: 10:52:51
